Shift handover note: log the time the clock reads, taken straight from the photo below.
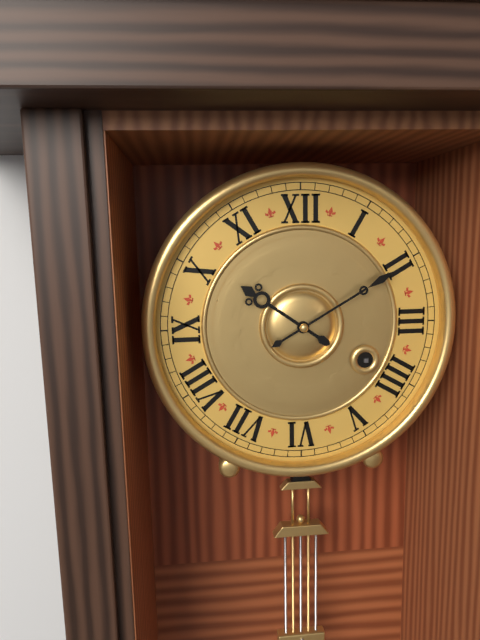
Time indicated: 10:10
